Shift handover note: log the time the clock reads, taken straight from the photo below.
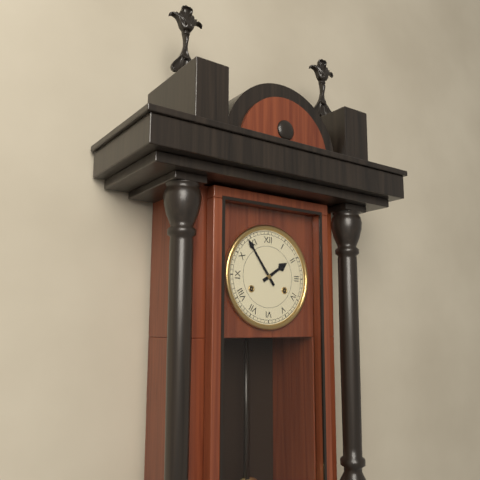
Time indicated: 1:54
